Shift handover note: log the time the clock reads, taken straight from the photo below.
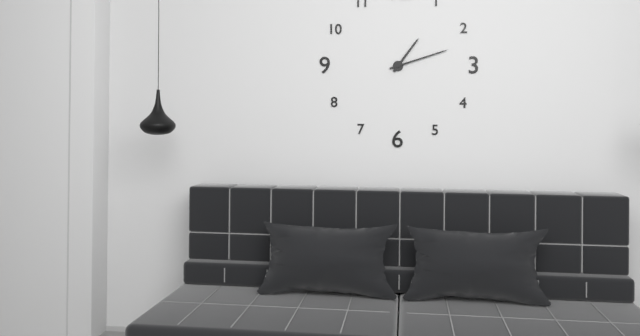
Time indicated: 1:12
